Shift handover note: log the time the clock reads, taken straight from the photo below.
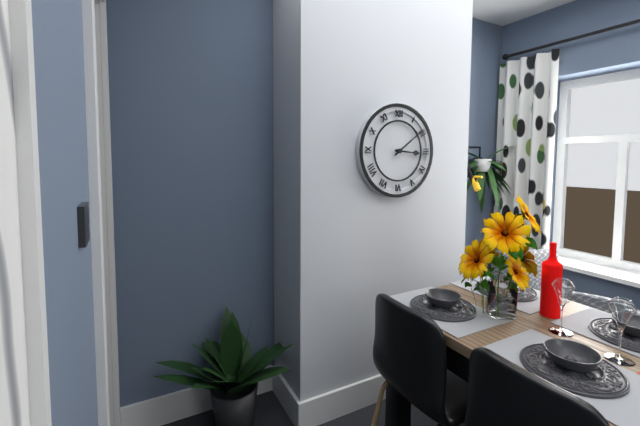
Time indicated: 3:09
